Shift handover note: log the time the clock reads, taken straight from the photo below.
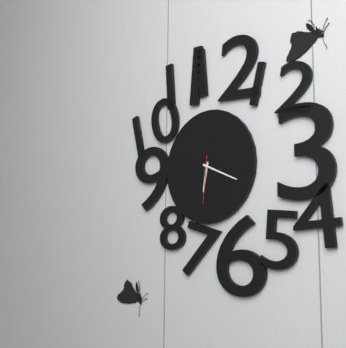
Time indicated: 6:19
